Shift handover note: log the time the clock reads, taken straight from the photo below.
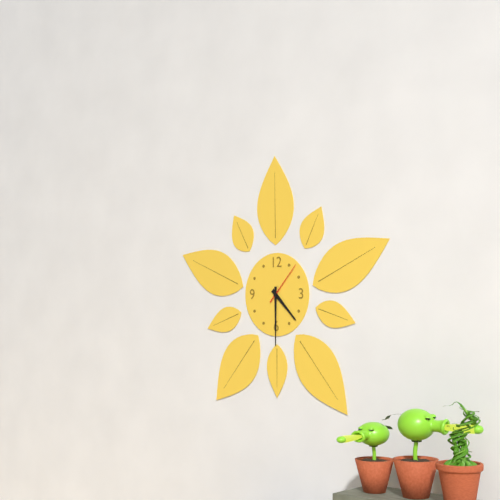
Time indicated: 4:30
